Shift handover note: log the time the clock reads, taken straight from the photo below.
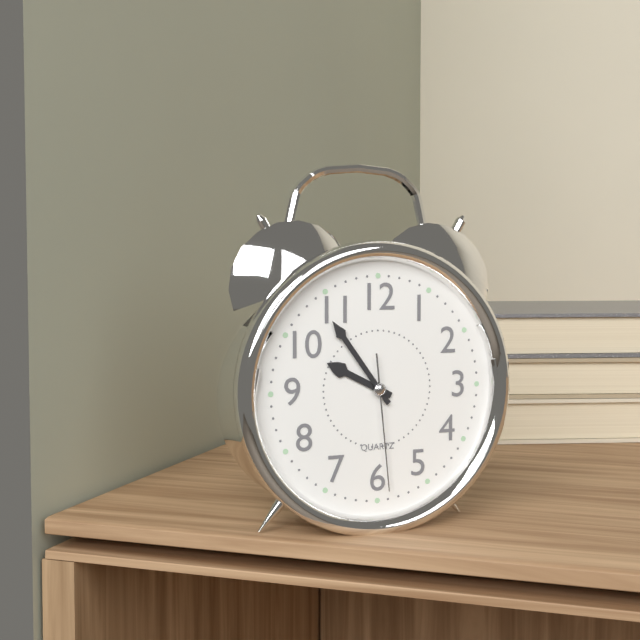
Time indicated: 9:54:29
